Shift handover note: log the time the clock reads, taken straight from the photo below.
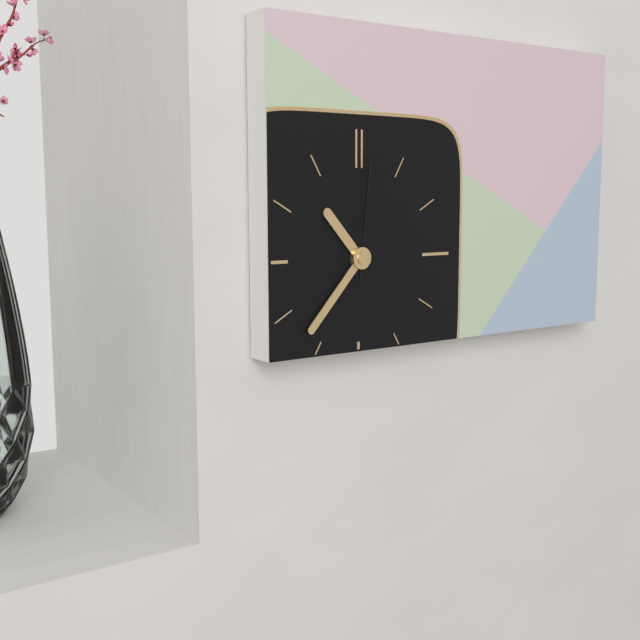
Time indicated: 10:37:01
